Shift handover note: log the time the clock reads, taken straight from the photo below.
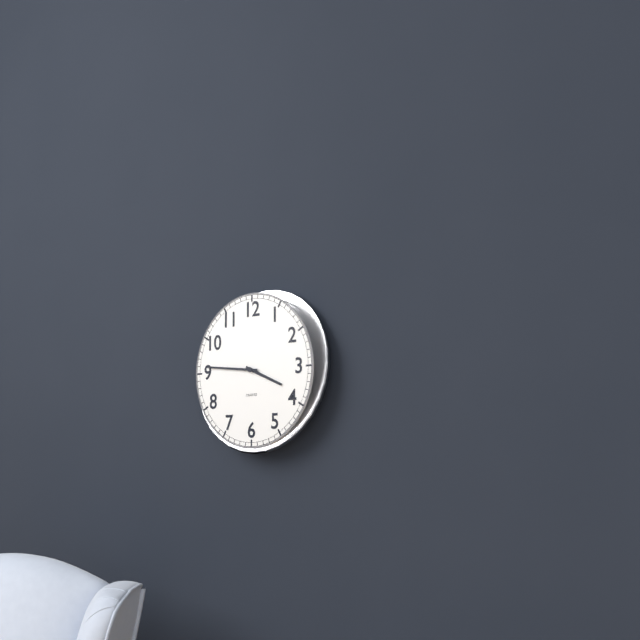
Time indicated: 3:46
